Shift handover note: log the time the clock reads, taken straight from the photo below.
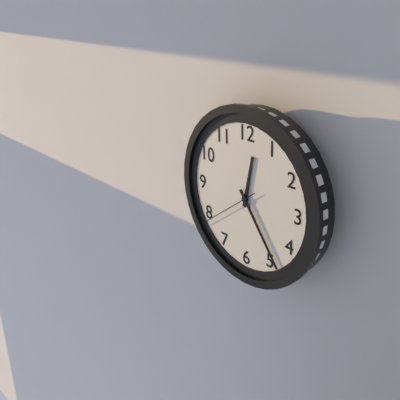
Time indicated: 12:24:39
